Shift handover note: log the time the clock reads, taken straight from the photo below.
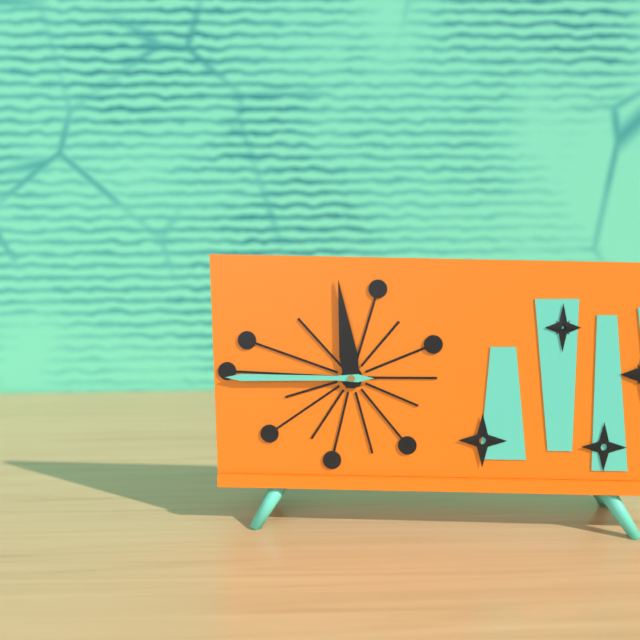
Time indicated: 11:45
